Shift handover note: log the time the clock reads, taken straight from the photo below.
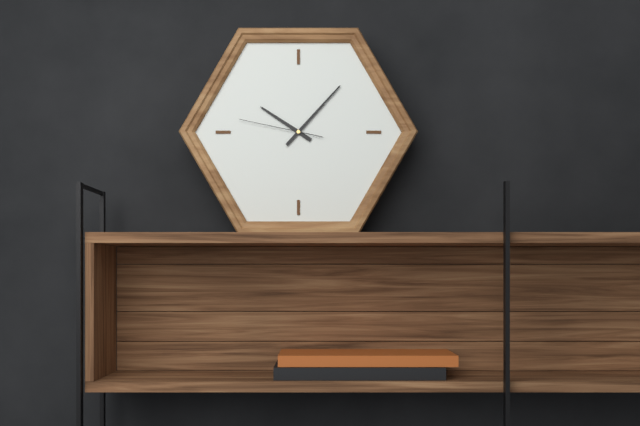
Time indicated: 10:07:47
